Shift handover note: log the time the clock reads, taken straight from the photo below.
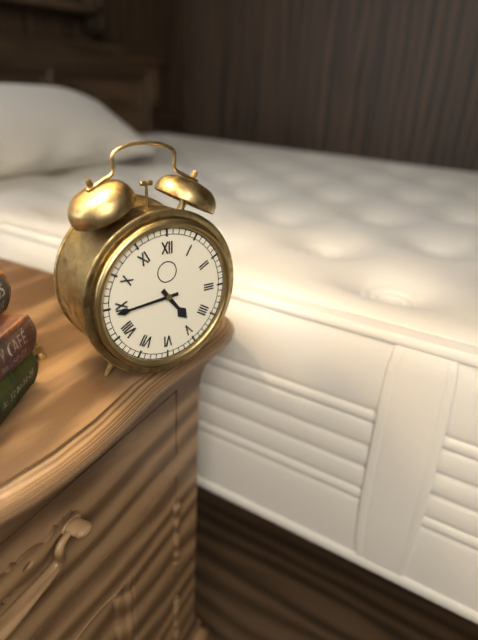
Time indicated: 4:44
